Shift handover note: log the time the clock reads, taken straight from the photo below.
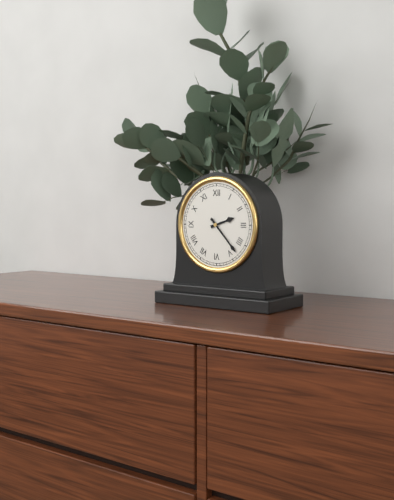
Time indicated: 2:23
